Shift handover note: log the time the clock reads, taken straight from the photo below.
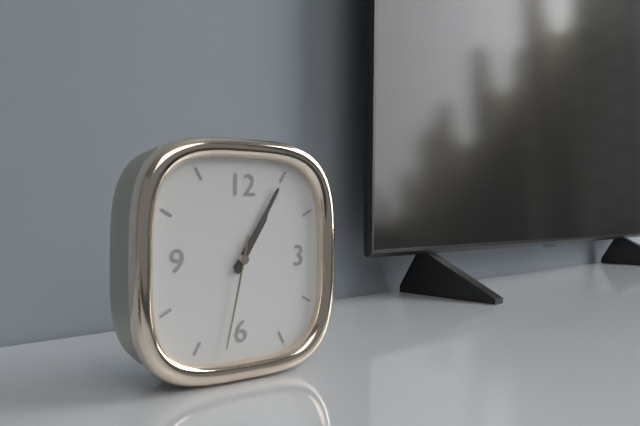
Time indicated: 1:05:32
